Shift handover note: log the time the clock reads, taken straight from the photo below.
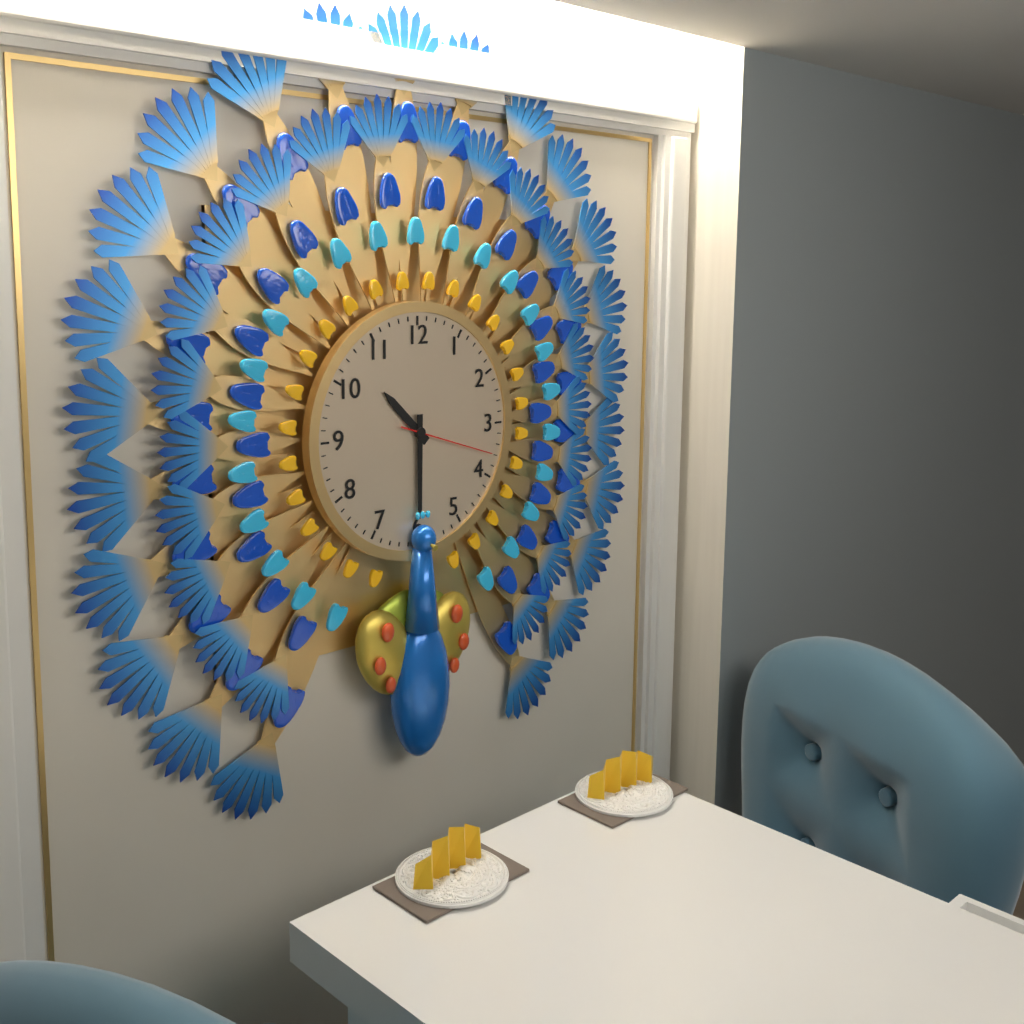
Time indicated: 10:30:18
